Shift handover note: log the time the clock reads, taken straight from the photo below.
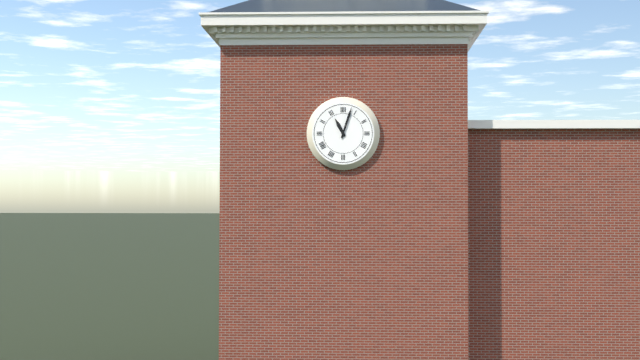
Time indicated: 11:03
